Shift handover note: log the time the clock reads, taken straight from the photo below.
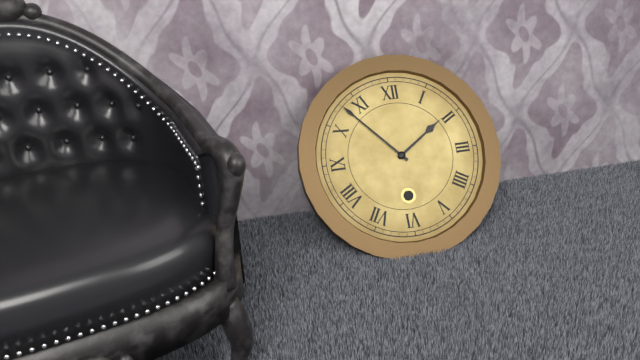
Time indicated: 1:53
